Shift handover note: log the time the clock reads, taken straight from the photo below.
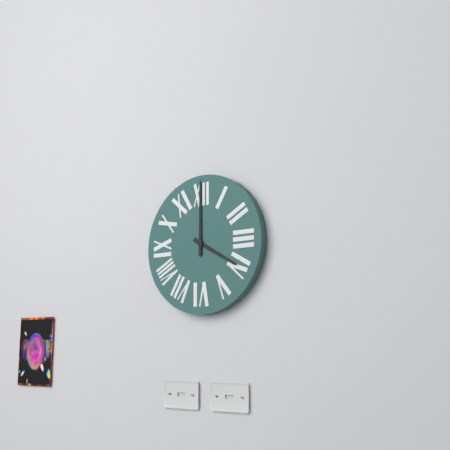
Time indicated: 4:00
